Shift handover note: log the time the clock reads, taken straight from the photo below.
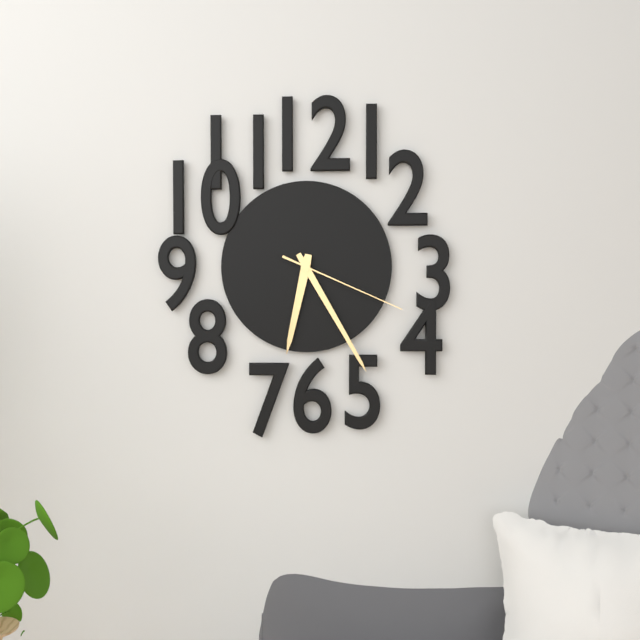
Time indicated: 6:25:19
